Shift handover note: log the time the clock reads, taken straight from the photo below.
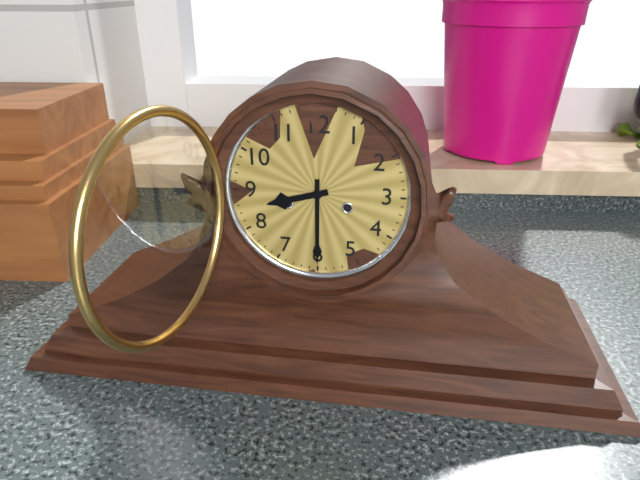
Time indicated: 8:30
